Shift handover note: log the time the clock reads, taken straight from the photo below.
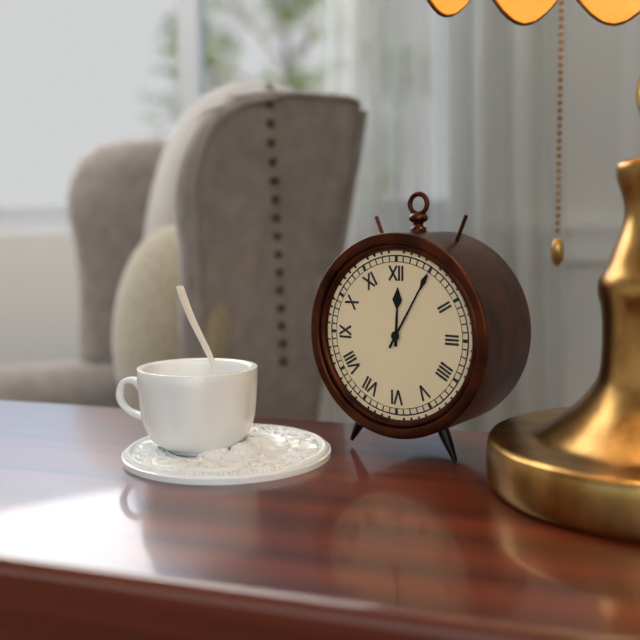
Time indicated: 12:05
